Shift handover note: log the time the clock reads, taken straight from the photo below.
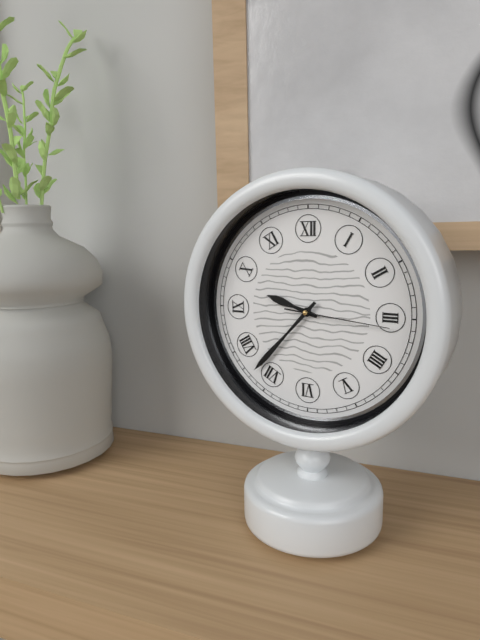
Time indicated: 9:37:16
